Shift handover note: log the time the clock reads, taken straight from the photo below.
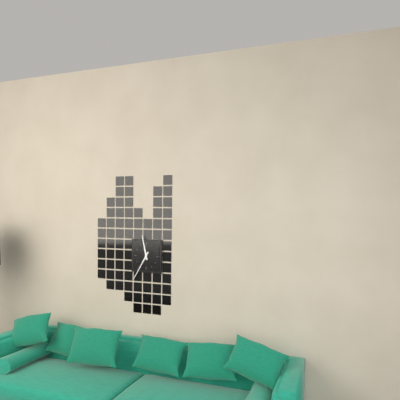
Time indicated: 11:35
